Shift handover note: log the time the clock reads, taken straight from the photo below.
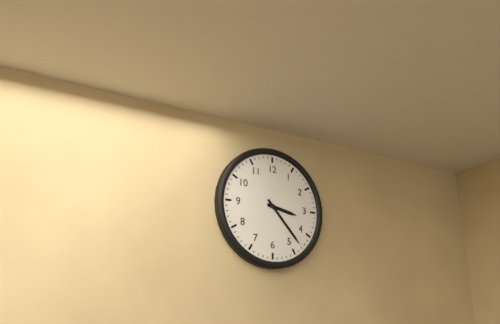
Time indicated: 3:23
